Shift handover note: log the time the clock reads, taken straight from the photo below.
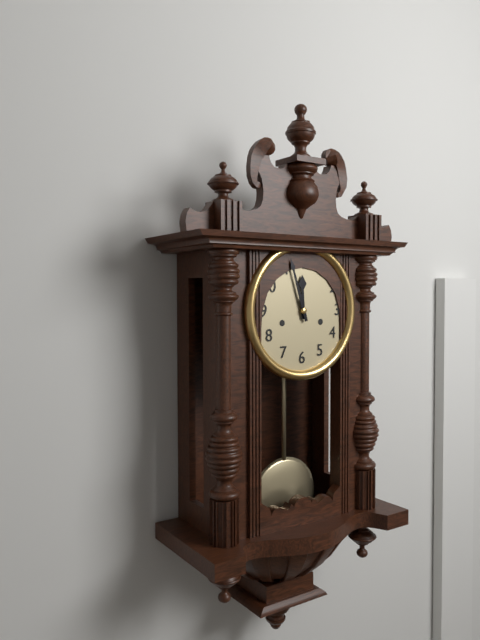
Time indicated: 11:57
